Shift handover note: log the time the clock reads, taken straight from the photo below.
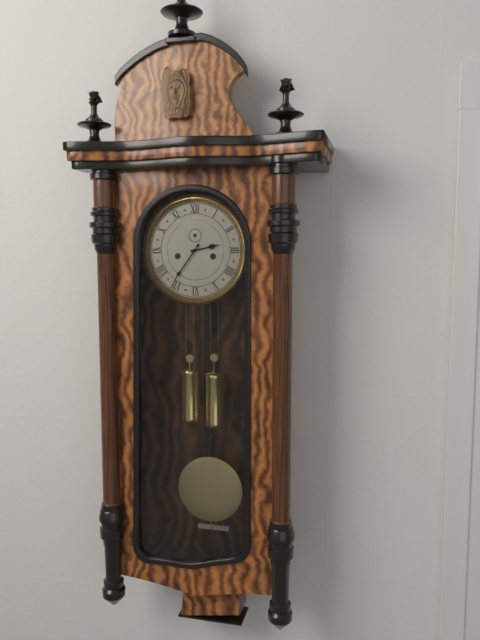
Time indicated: 2:36
